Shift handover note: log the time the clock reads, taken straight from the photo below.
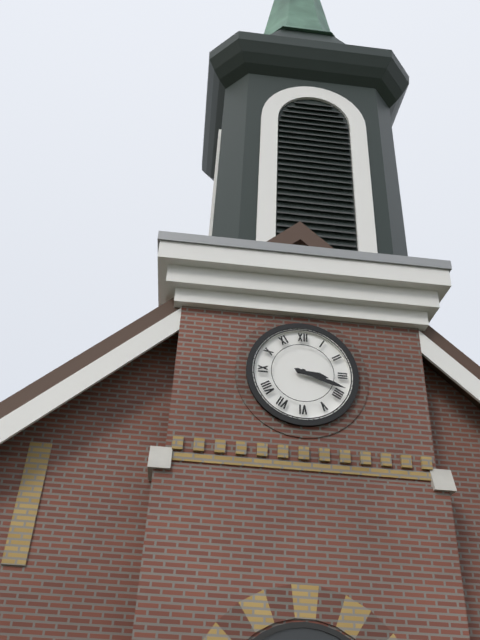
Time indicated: 3:18
